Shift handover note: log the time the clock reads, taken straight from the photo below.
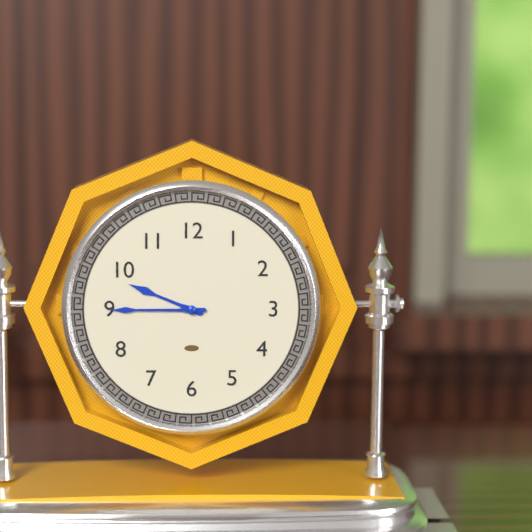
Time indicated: 9:45
